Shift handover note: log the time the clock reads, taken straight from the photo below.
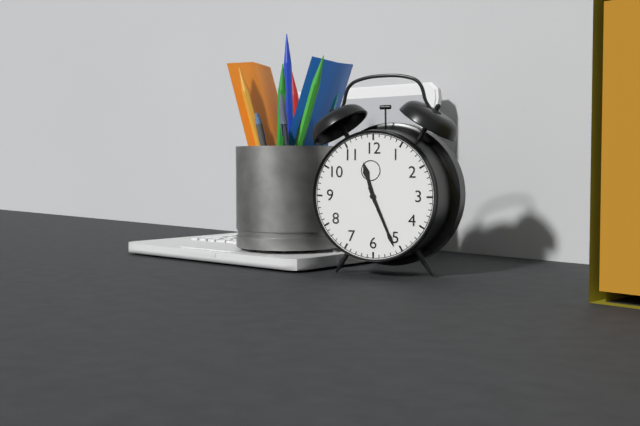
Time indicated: 11:26
